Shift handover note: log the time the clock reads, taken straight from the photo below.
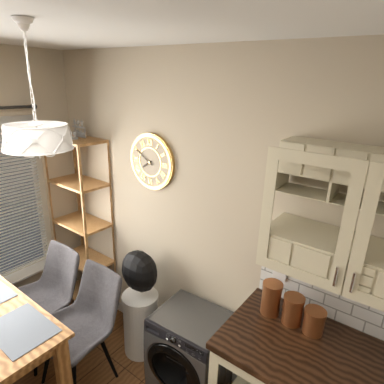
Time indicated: 7:50
